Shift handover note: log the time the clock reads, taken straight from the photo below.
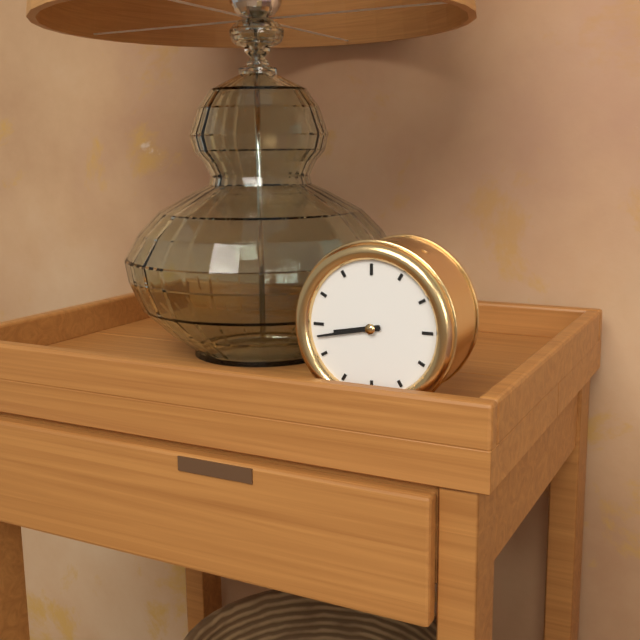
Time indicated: 8:43
